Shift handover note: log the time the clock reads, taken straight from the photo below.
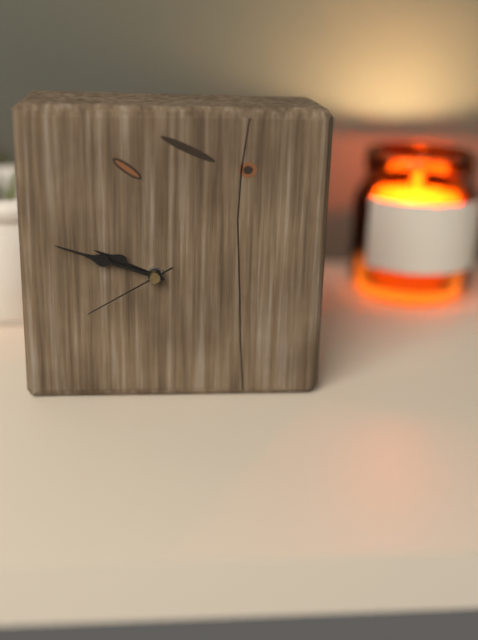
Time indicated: 9:48:40
